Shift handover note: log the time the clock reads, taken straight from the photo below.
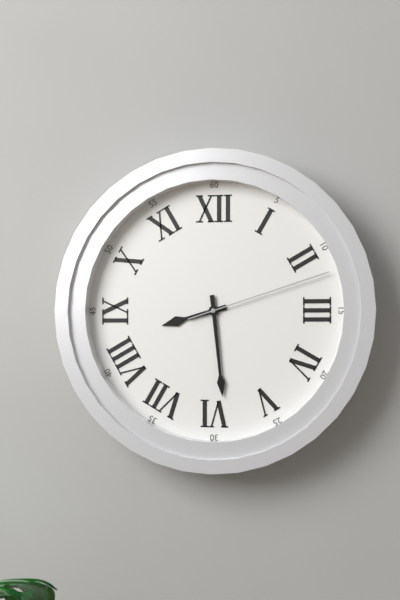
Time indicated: 8:29:12
